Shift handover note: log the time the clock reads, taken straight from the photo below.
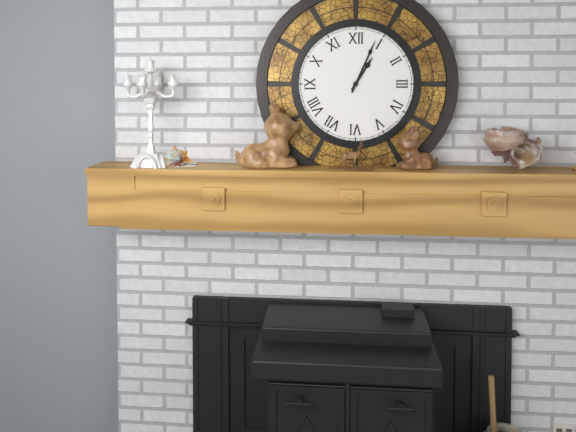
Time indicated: 1:04
